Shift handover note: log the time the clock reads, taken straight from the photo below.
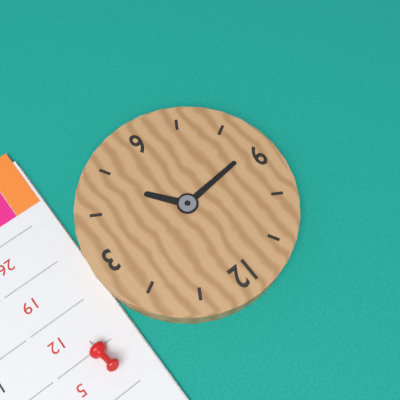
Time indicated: 4:44
